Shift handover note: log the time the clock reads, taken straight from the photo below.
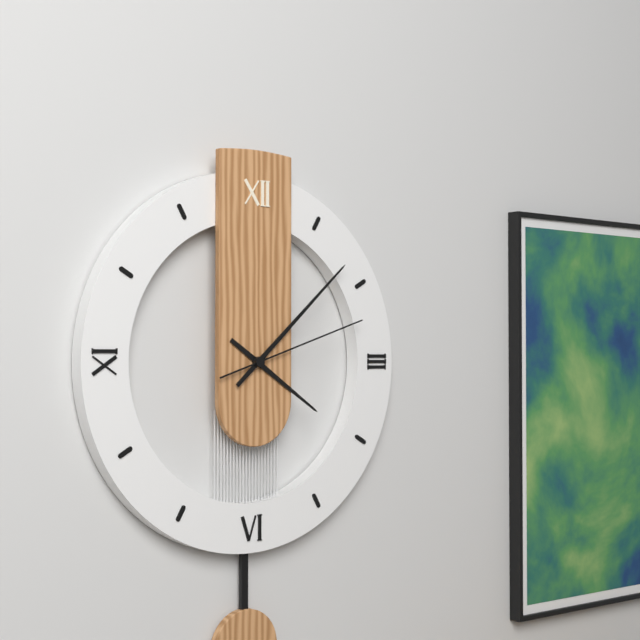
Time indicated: 4:08:12
